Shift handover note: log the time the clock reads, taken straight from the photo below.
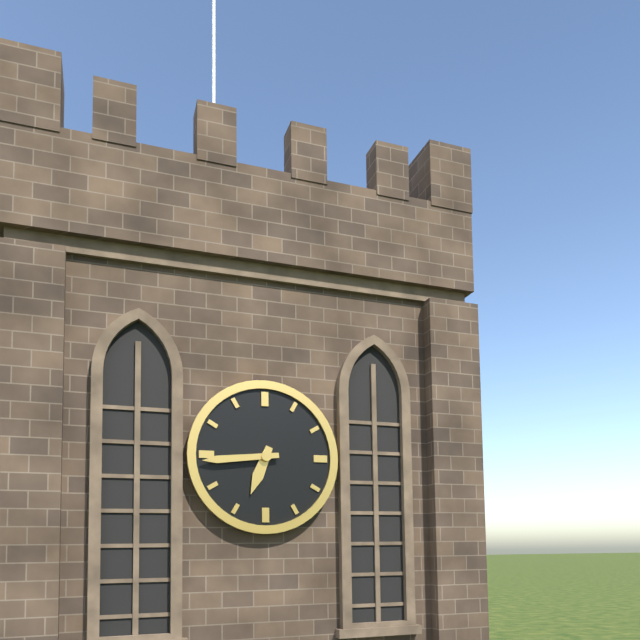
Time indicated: 6:44
